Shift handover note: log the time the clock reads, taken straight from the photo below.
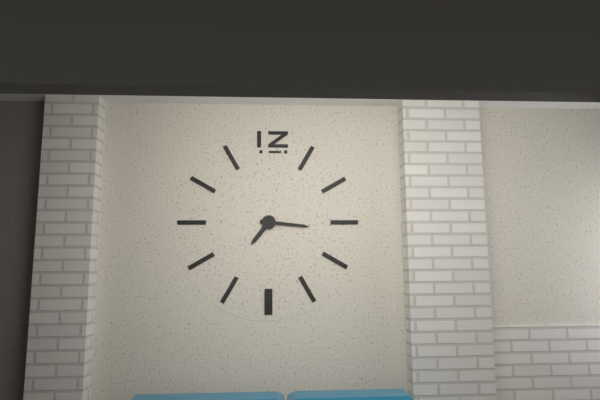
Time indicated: 7:16
